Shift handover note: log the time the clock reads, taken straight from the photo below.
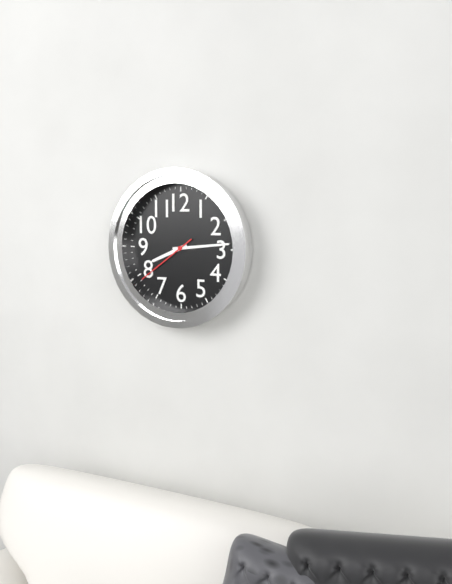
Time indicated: 8:14:39
